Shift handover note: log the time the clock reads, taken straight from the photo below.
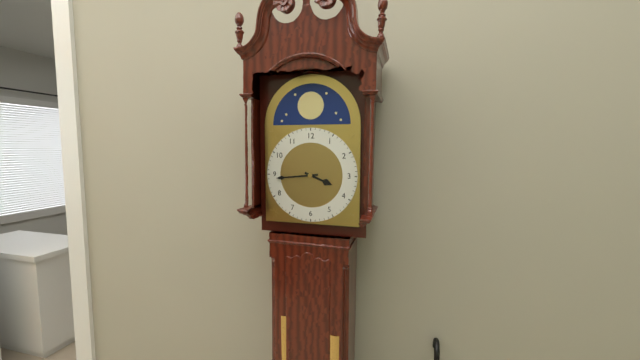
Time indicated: 3:44
